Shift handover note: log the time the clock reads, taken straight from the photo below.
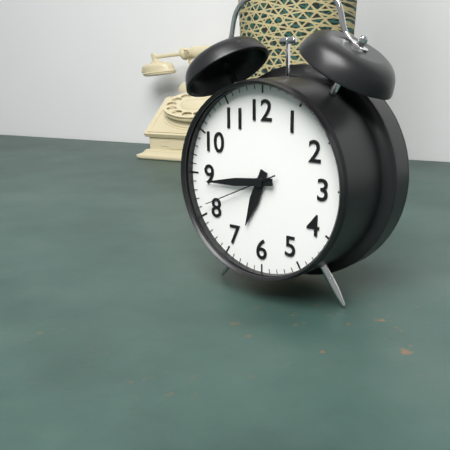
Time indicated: 6:44:41
